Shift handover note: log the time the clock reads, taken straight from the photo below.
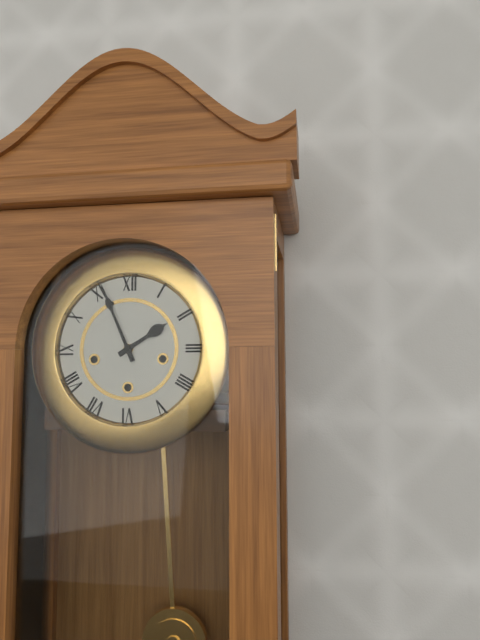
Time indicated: 1:56
